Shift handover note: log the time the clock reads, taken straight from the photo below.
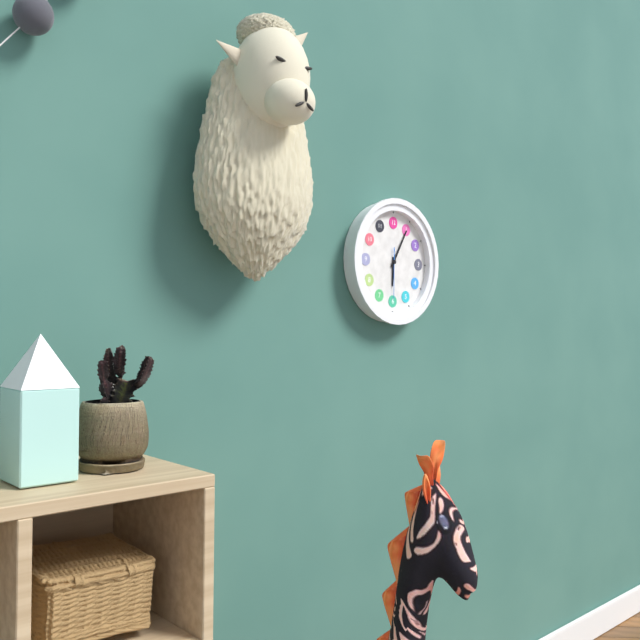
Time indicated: 6:05
